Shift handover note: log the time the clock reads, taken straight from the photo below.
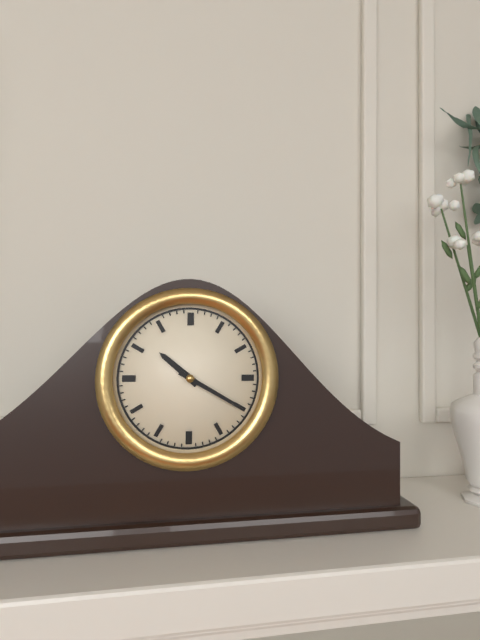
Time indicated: 10:20
